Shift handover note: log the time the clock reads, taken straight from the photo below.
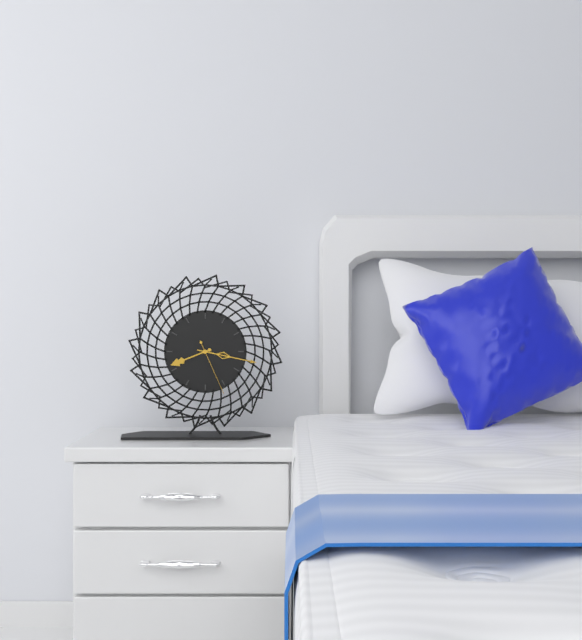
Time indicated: 8:17:26
